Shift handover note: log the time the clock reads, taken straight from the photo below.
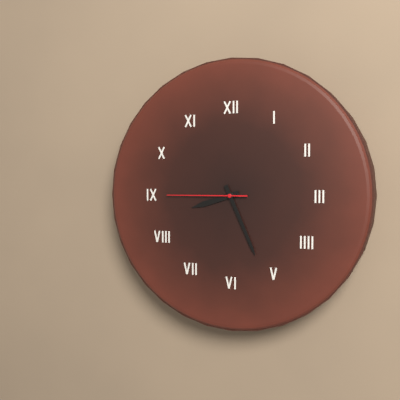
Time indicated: 8:26:45
